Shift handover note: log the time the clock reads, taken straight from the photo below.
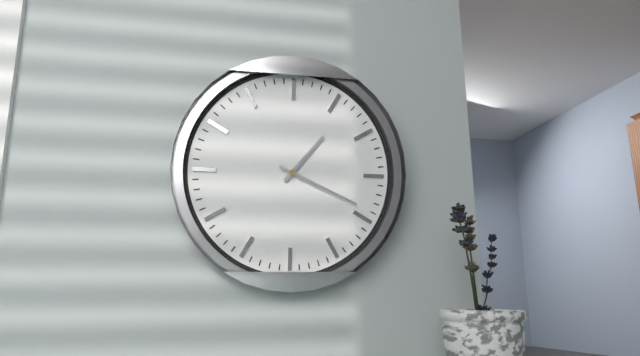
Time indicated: 1:19
